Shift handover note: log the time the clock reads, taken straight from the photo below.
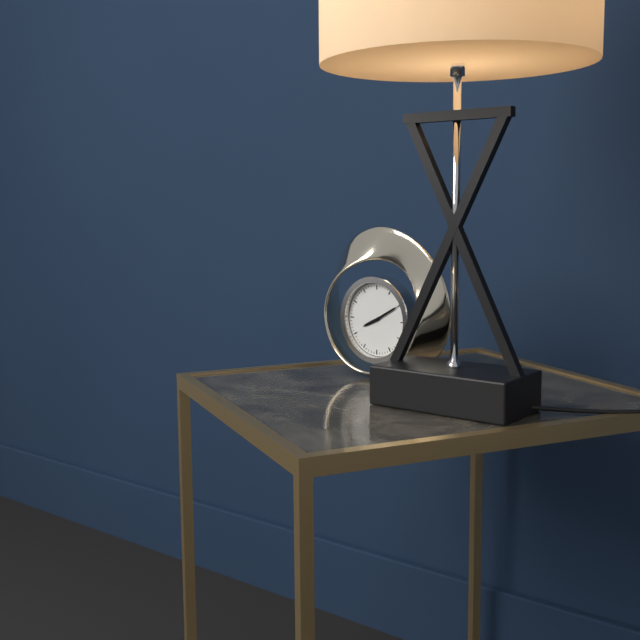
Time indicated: 8:10
